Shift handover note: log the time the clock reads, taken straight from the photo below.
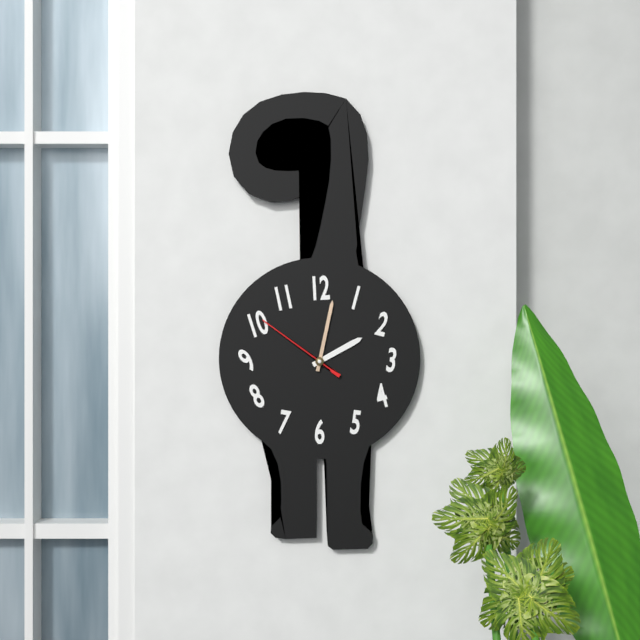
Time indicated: 2:02:51
